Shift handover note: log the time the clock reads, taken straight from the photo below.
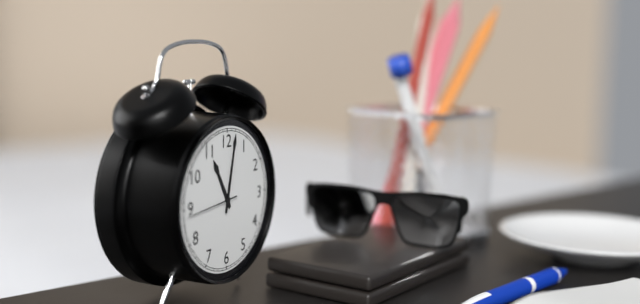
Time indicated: 11:02:44
